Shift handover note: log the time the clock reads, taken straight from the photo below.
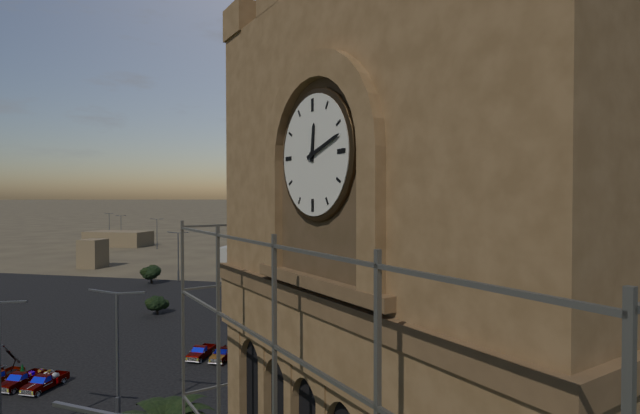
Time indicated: 12:12
